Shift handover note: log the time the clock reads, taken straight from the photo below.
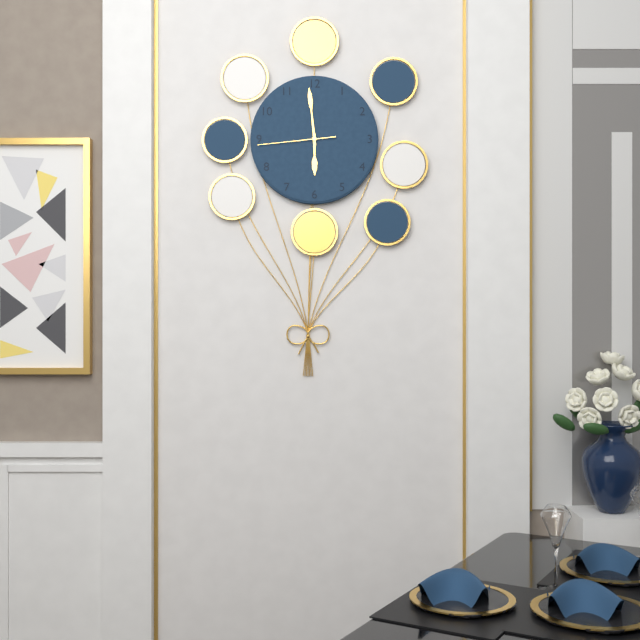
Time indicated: 5:59:44
